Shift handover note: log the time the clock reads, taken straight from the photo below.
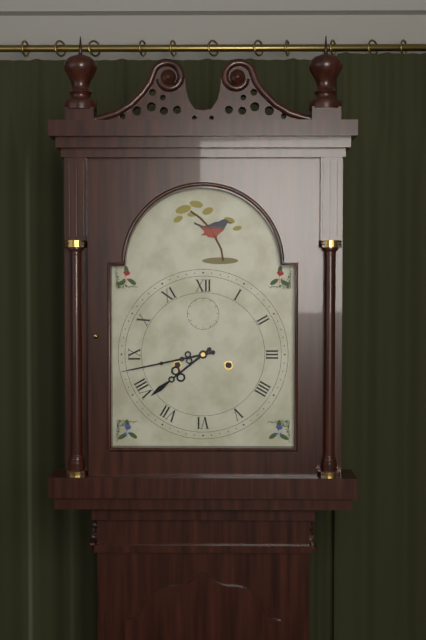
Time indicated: 7:43
